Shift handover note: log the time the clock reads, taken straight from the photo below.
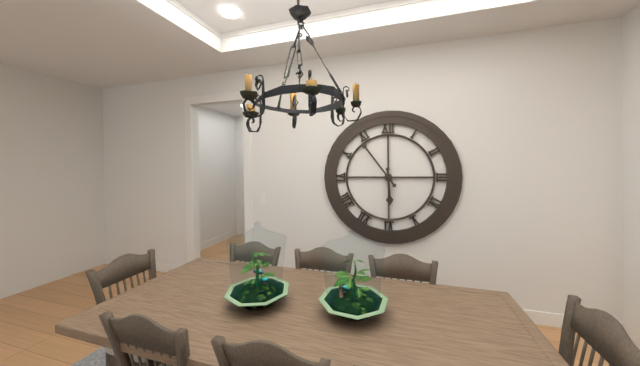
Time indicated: 5:54
